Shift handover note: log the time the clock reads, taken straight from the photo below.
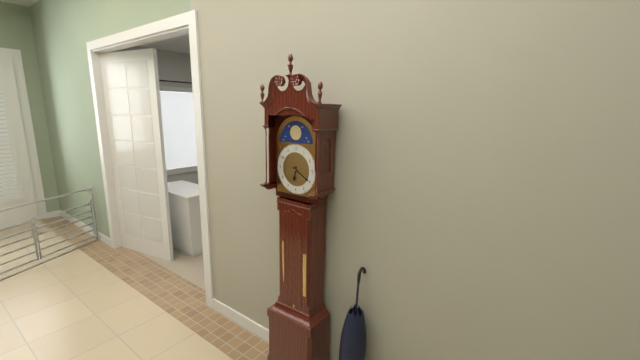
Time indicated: 6:20
